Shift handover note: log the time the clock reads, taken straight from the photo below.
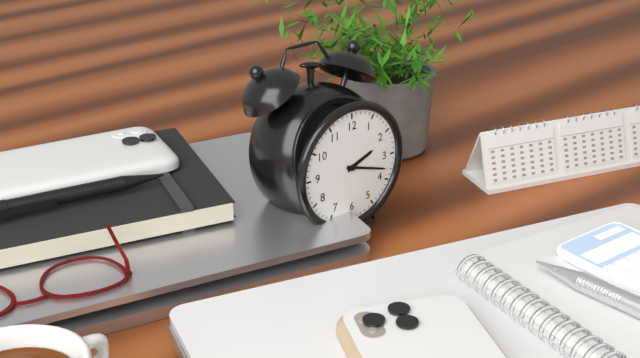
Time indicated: 2:18
